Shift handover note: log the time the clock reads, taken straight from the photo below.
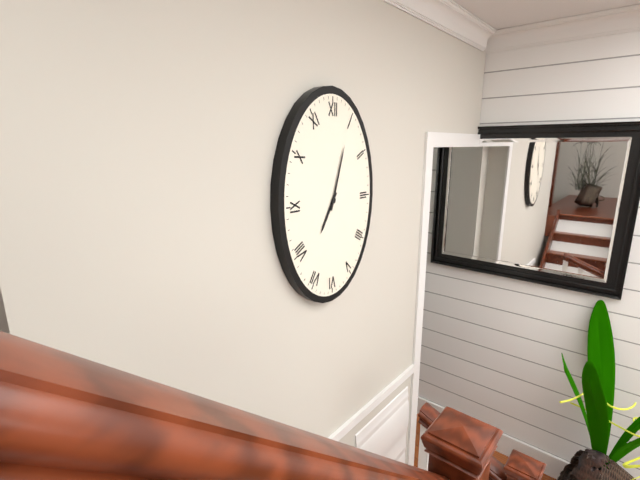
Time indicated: 7:03
